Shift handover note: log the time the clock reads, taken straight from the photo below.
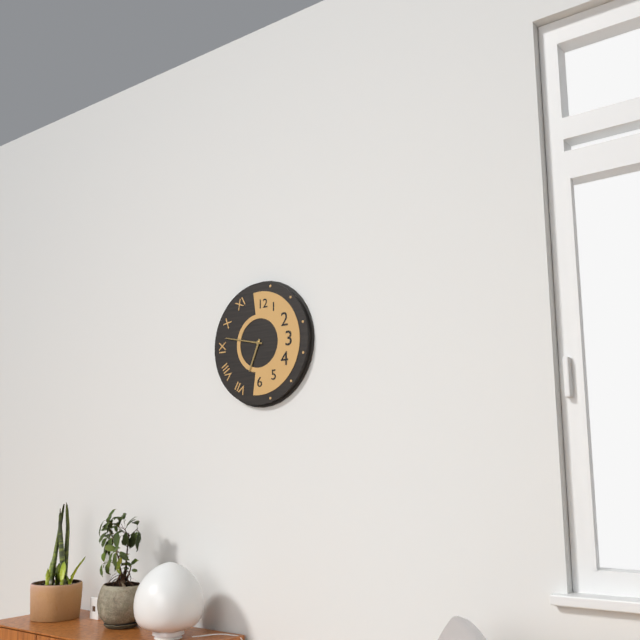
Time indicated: 6:47
